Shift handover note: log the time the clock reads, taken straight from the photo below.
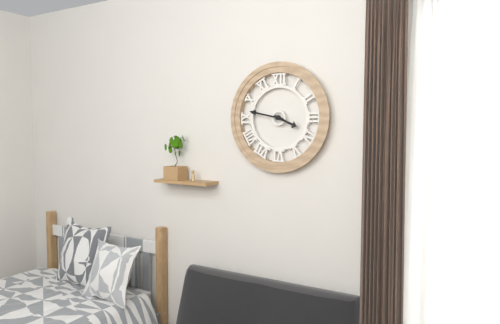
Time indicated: 3:47
